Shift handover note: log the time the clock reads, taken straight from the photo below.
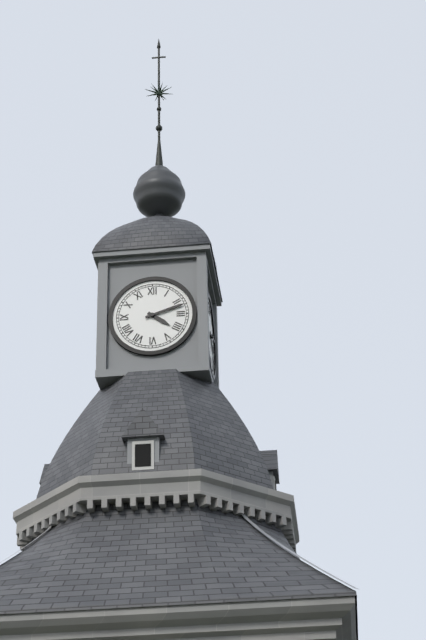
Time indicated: 4:12
